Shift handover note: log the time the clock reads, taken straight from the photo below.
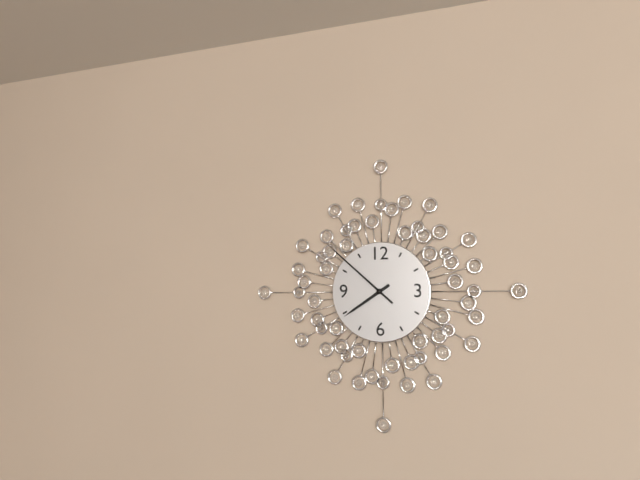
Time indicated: 7:52
